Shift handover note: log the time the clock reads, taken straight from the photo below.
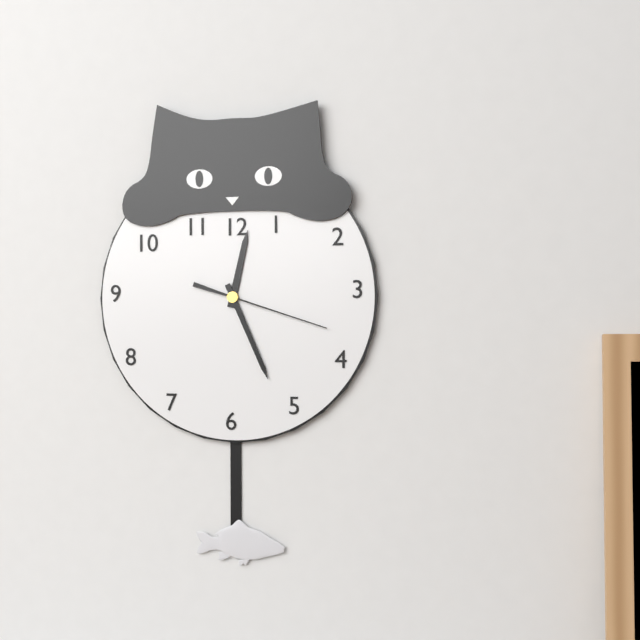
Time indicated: 12:26:18
